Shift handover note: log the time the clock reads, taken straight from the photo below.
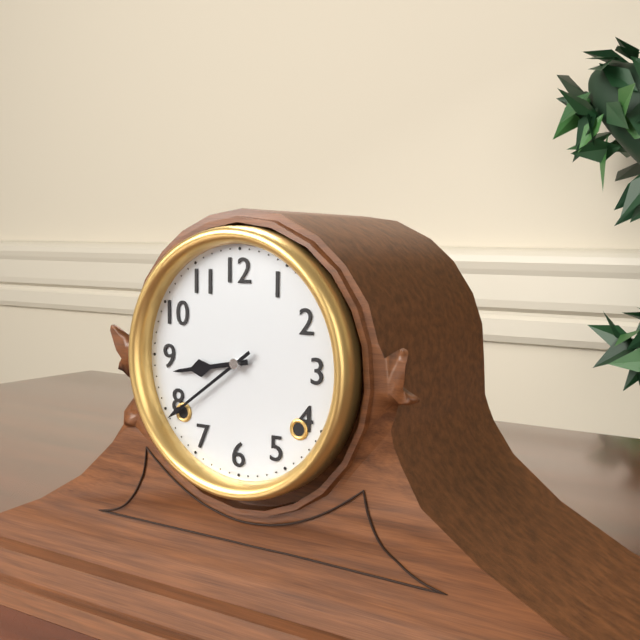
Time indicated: 8:39
